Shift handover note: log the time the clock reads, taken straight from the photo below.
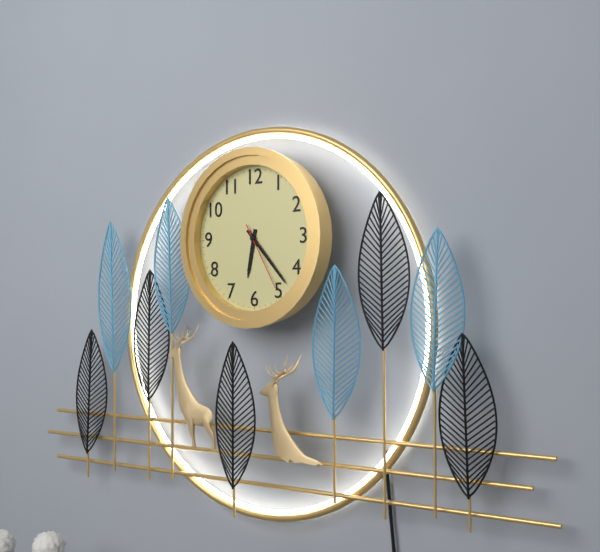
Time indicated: 6:23:25
